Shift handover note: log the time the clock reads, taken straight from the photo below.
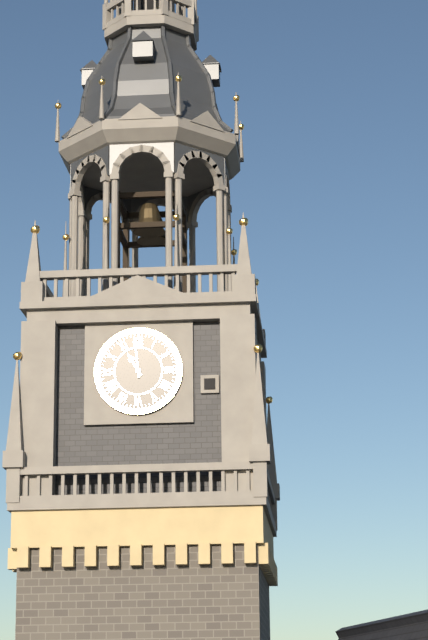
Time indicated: 10:59
